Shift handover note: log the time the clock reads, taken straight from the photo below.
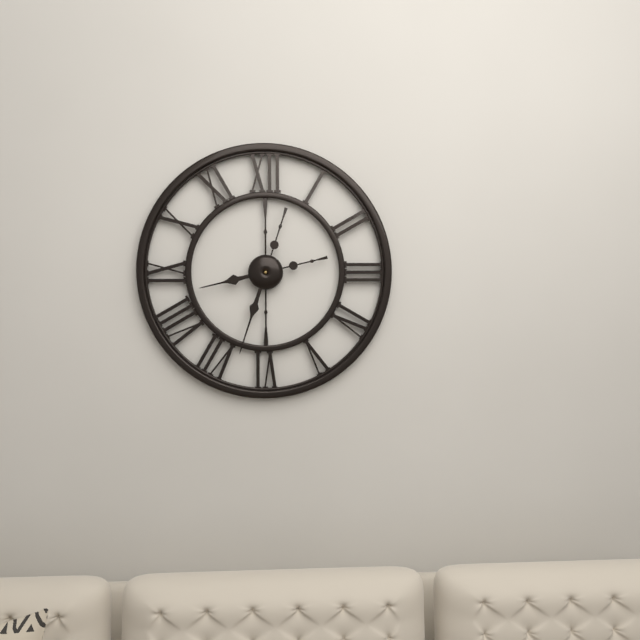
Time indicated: 8:33
